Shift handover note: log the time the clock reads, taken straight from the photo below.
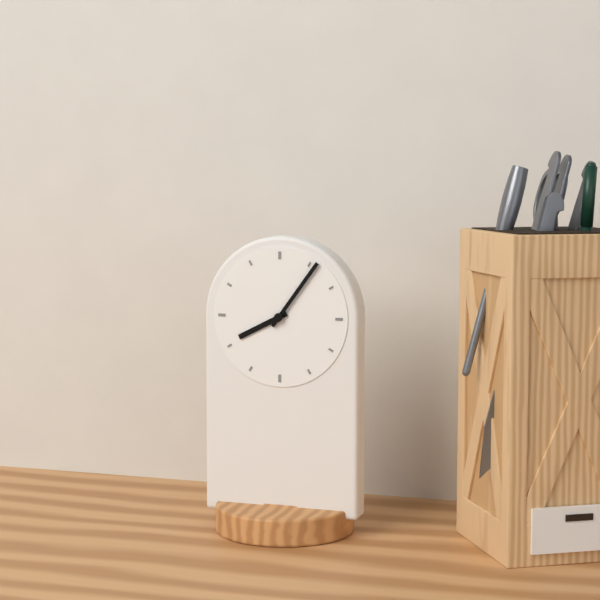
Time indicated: 8:06
